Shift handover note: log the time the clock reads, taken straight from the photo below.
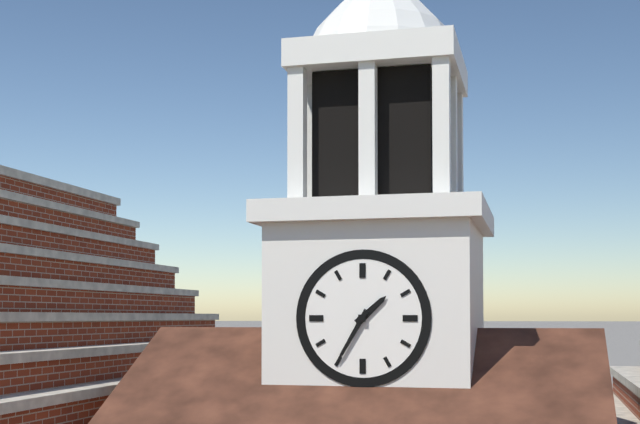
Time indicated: 1:35
